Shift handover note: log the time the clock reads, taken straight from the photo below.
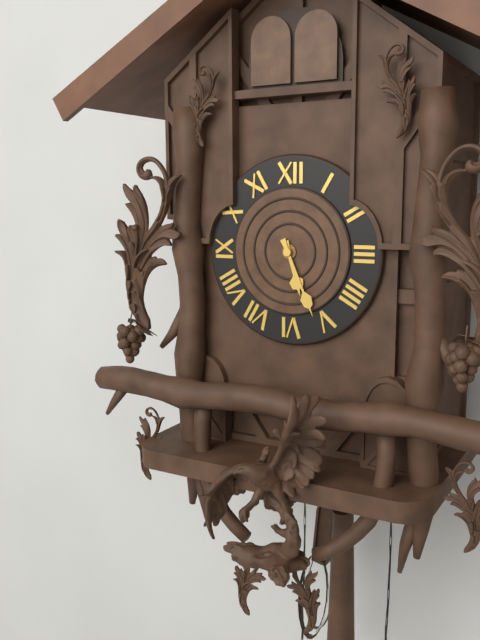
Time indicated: 5:26
